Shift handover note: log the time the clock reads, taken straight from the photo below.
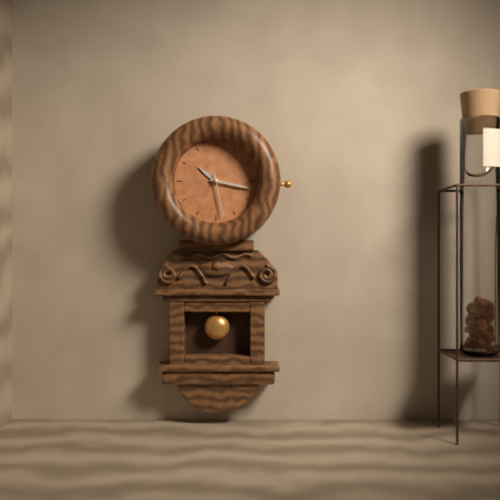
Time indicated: 10:17
